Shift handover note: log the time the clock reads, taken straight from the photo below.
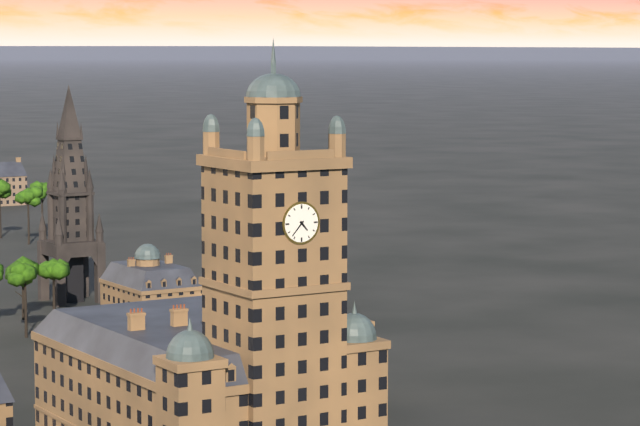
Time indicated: 4:37
